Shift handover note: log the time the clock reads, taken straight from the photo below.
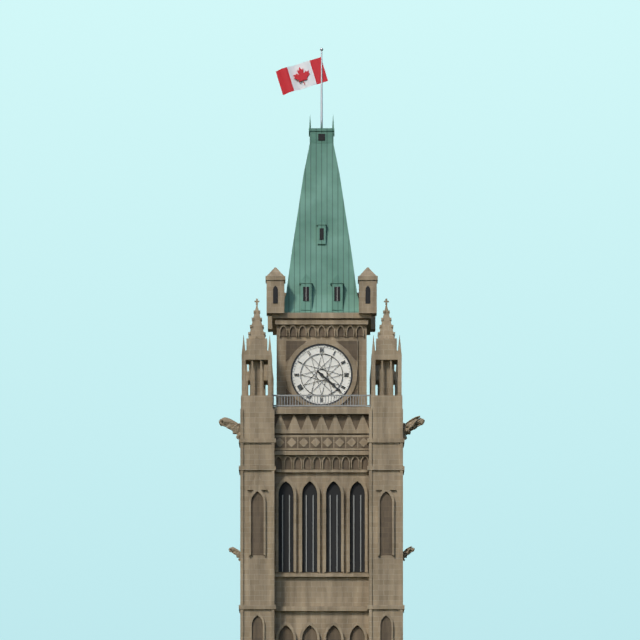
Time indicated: 4:22
